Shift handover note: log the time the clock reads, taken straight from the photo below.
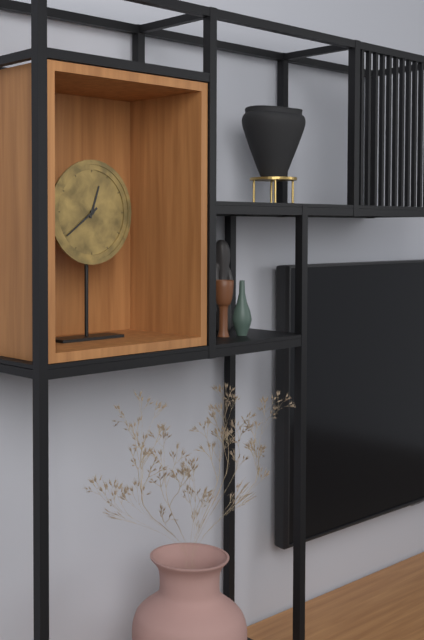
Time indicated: 12:39
